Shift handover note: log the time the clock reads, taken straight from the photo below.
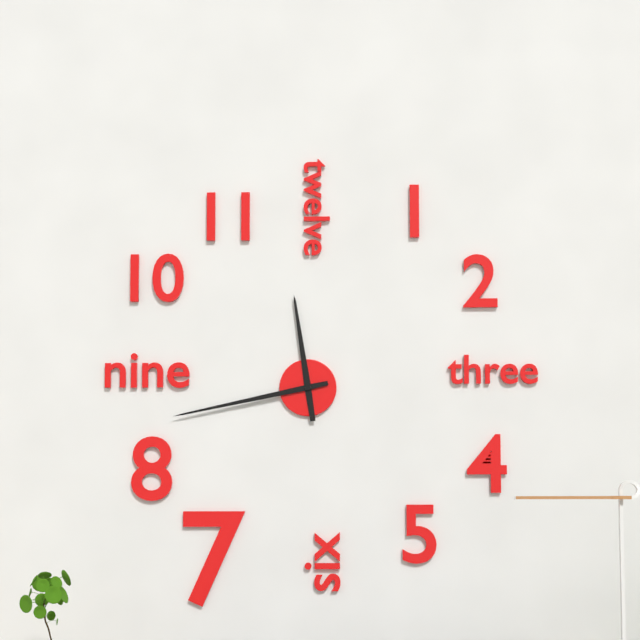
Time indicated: 11:43
